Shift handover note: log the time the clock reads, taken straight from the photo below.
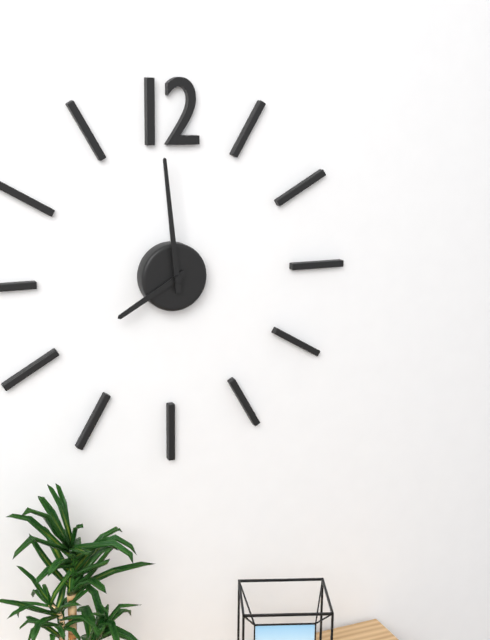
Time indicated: 7:59
